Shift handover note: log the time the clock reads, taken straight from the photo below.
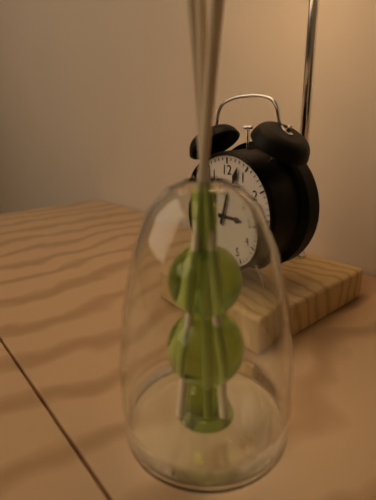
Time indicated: 3:03
